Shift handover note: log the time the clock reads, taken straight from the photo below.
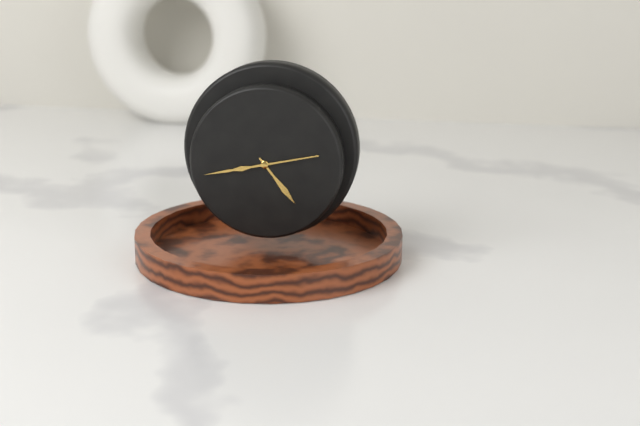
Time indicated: 4:43
